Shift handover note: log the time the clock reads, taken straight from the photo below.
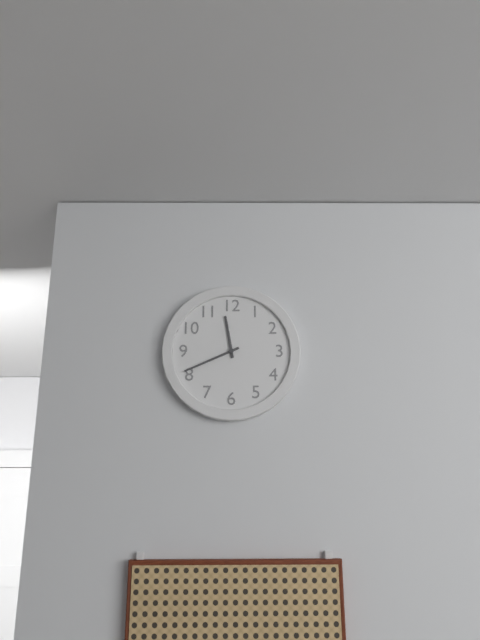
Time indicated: 11:41
